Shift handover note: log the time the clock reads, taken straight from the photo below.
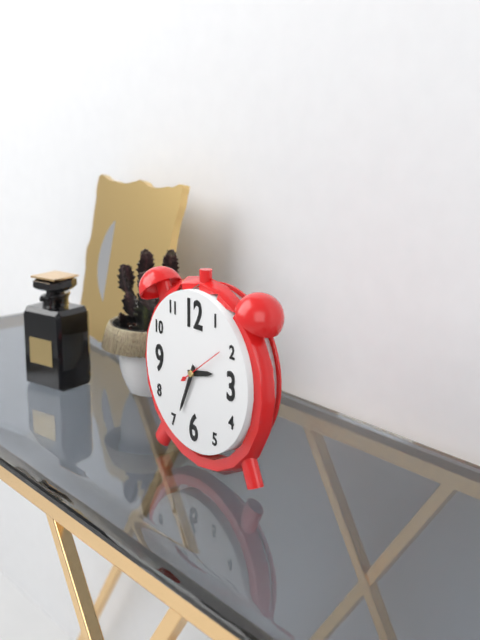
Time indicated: 2:34
